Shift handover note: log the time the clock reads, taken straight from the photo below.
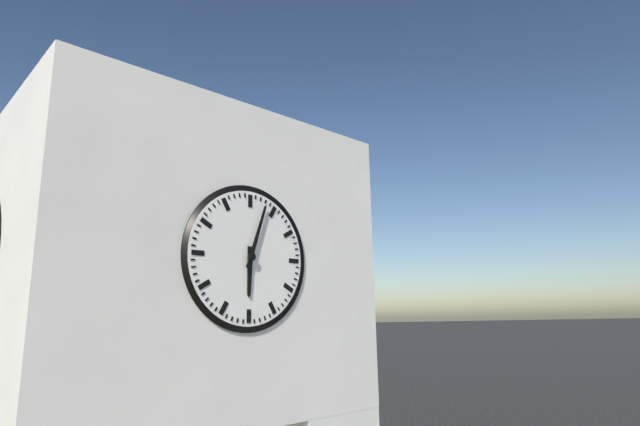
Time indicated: 6:03
